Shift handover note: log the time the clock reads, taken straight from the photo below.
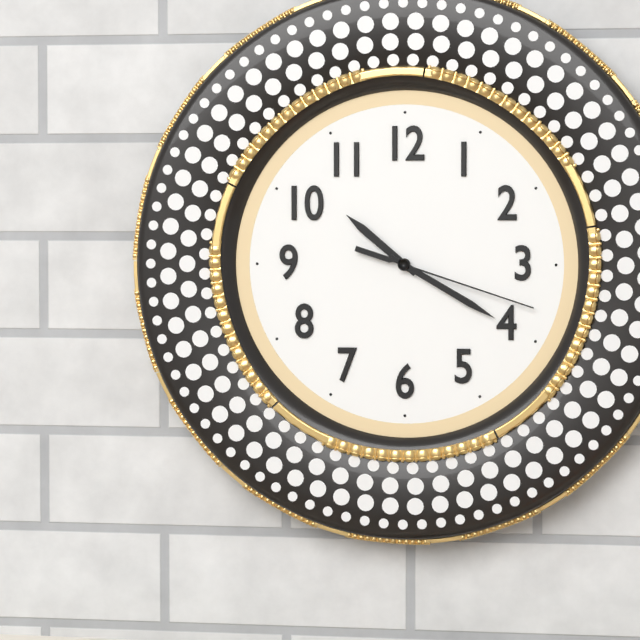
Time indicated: 10:20:18
